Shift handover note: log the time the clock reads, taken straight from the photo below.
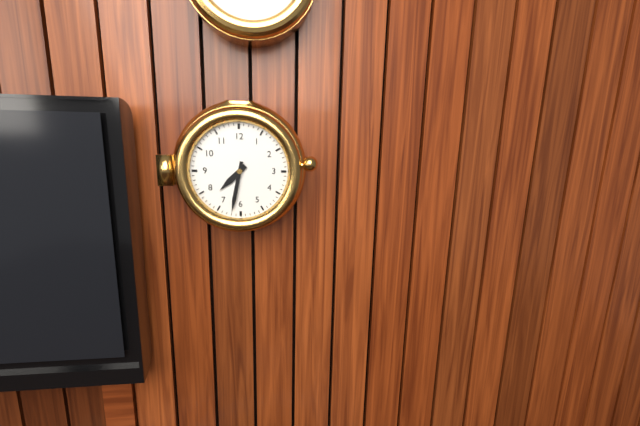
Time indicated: 7:32
